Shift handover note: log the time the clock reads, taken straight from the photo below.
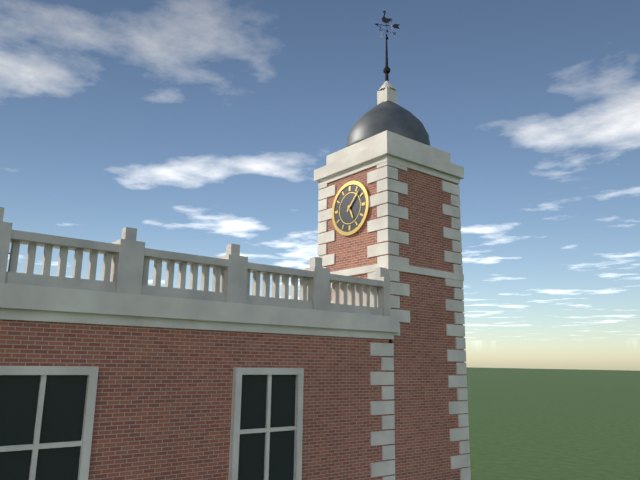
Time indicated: 5:07
